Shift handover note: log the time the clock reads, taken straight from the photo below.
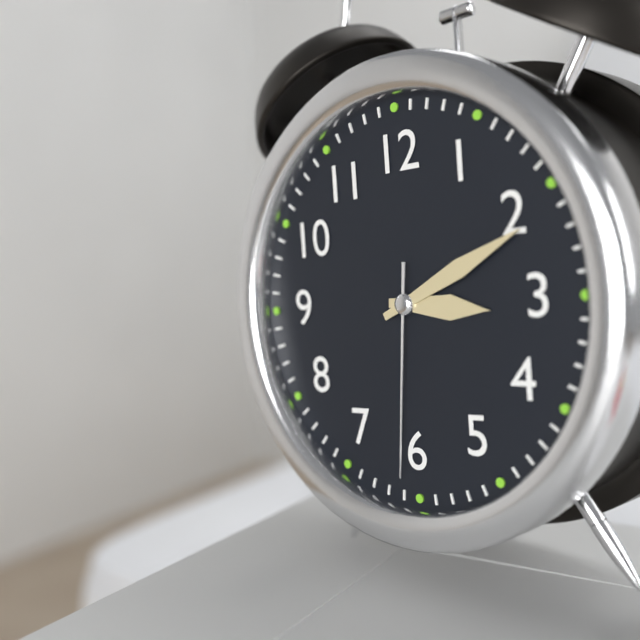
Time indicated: 3:11:31
